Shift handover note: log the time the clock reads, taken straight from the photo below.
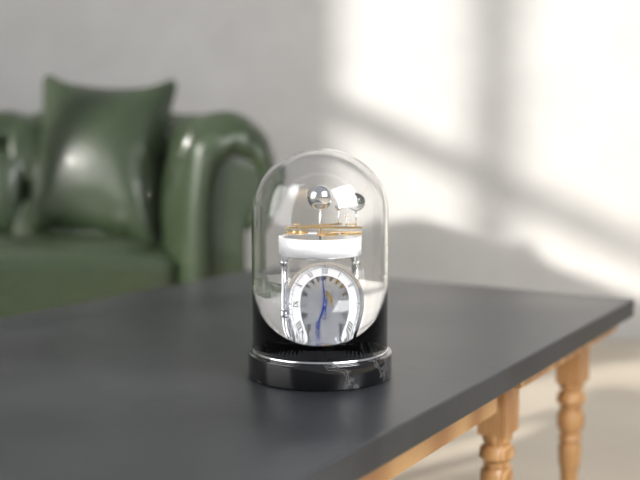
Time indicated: 6:59
